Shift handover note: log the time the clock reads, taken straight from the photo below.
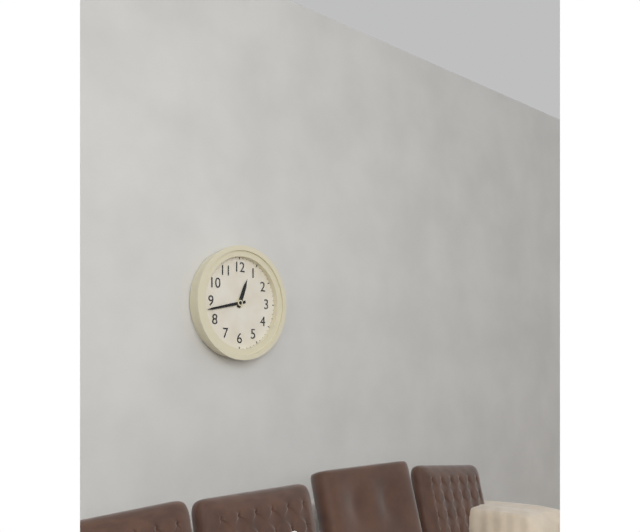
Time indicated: 12:43
